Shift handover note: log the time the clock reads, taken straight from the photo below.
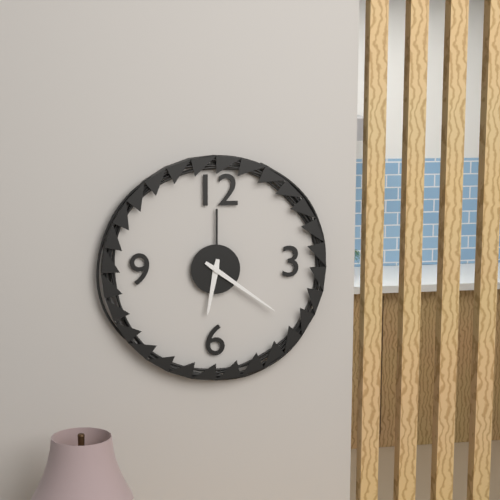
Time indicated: 6:21
